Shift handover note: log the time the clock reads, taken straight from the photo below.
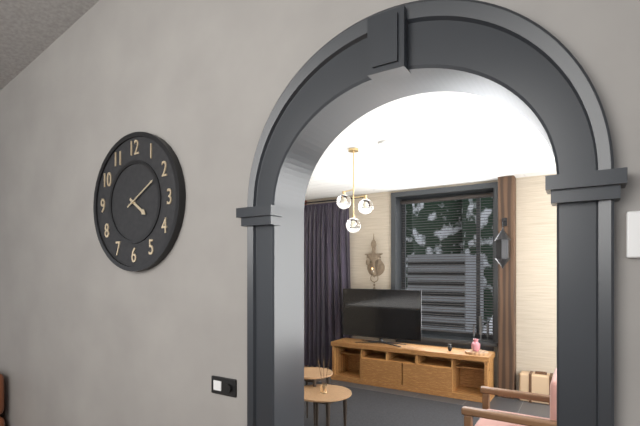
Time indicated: 4:10
